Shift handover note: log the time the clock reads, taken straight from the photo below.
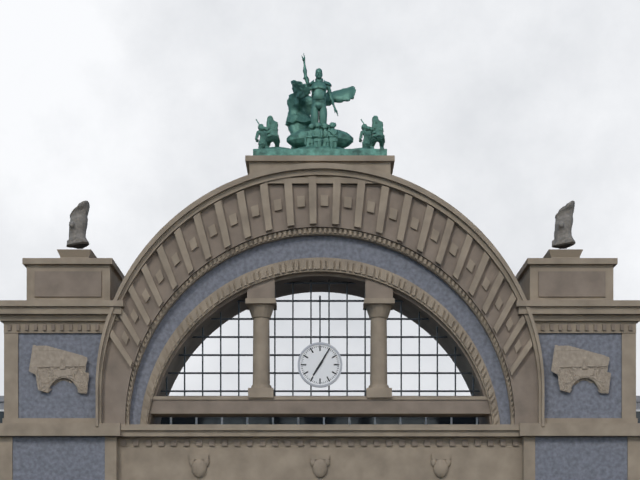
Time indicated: 7:05
